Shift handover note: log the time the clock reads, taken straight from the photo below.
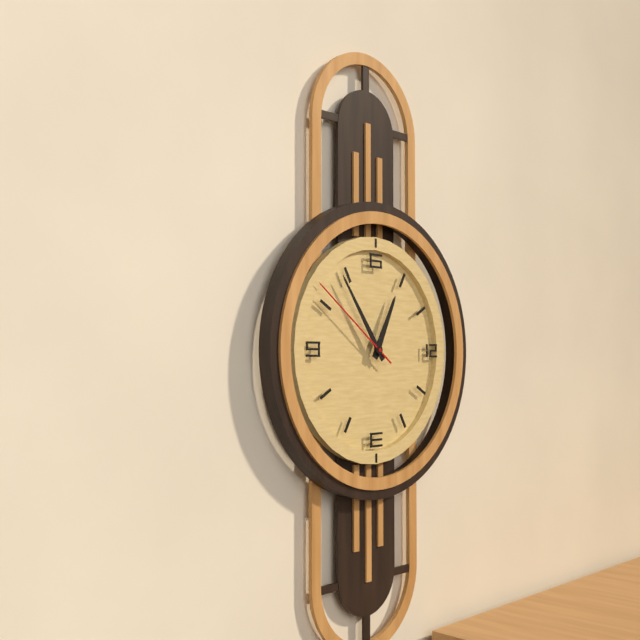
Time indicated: 12:54:51
